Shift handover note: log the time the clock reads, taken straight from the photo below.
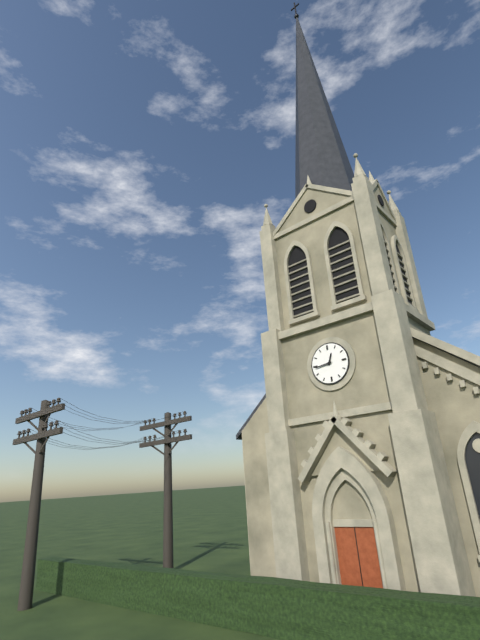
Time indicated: 12:44
